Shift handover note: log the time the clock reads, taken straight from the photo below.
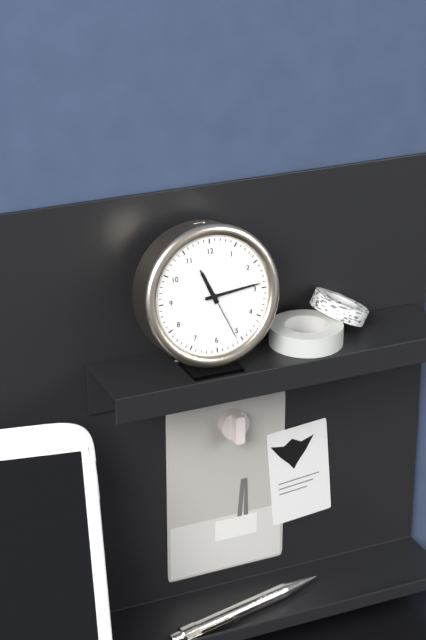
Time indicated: 11:14:26
